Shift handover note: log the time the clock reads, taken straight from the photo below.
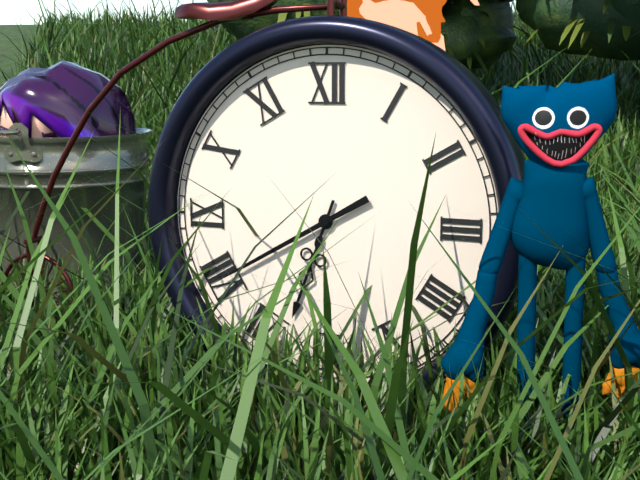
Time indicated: 6:40
